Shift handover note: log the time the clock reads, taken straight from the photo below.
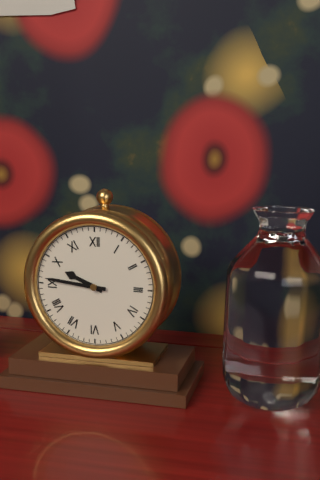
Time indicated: 9:46
